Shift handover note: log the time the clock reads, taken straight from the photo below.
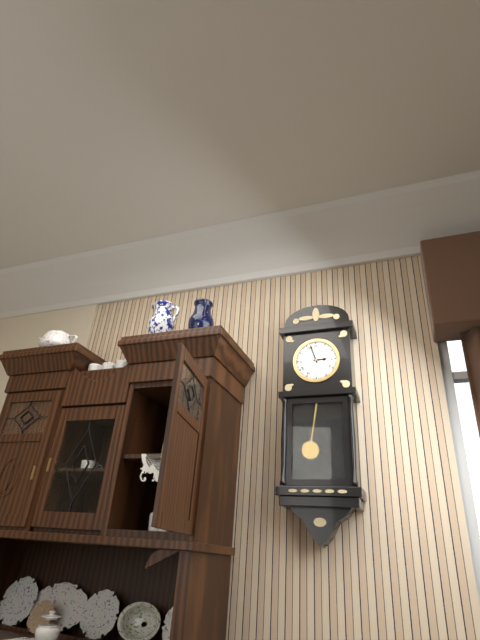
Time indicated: 2:57
